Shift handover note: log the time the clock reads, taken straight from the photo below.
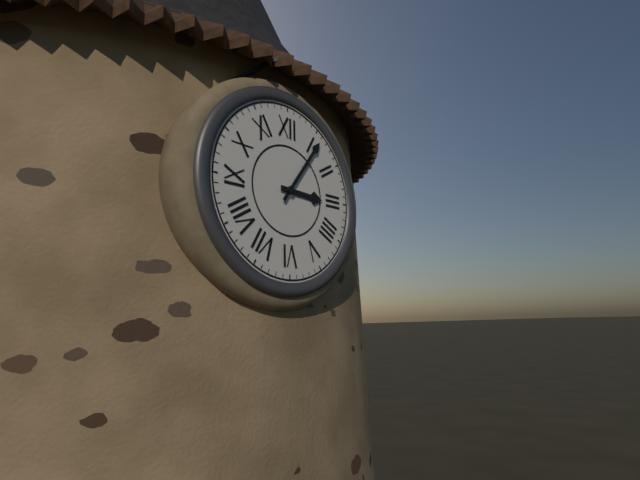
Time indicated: 3:06
